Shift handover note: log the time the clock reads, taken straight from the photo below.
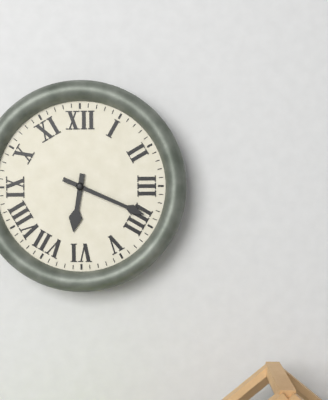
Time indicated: 6:19
